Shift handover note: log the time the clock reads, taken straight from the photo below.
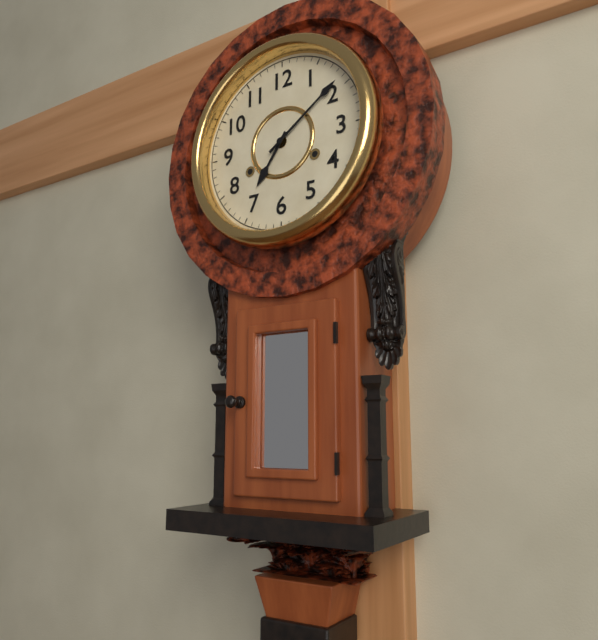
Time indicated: 7:09
